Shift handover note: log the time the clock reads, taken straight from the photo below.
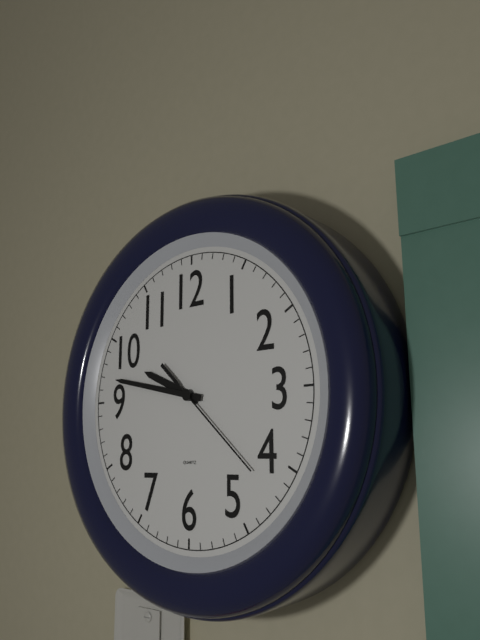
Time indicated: 9:47:22
